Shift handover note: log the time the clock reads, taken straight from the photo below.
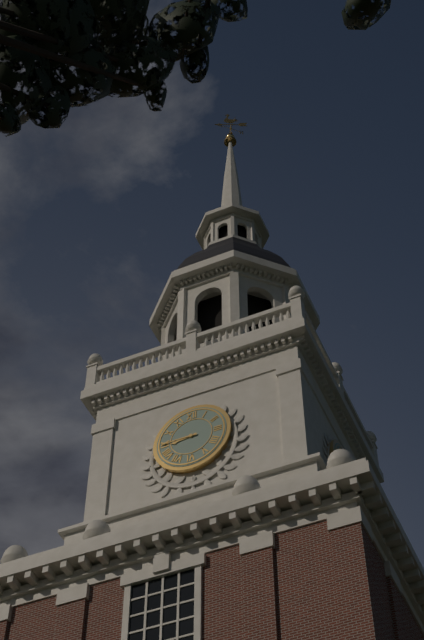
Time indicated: 8:45
